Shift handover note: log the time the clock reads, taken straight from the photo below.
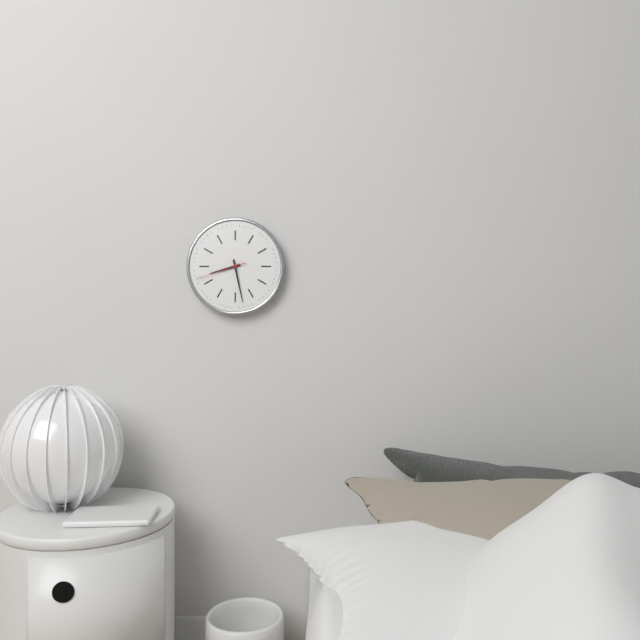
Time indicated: 8:28:42
